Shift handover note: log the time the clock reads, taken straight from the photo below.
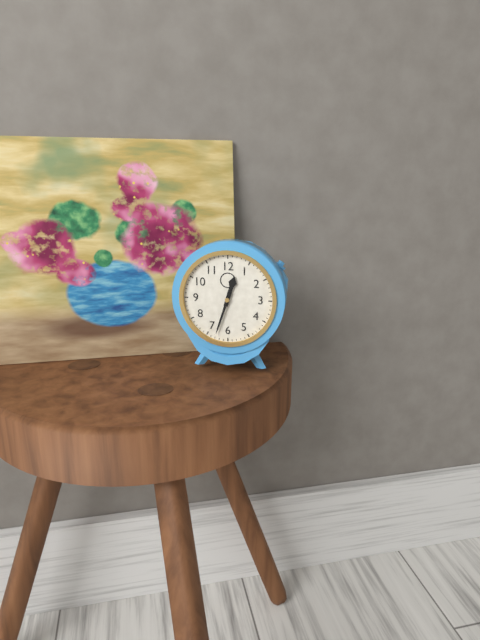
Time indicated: 12:33
